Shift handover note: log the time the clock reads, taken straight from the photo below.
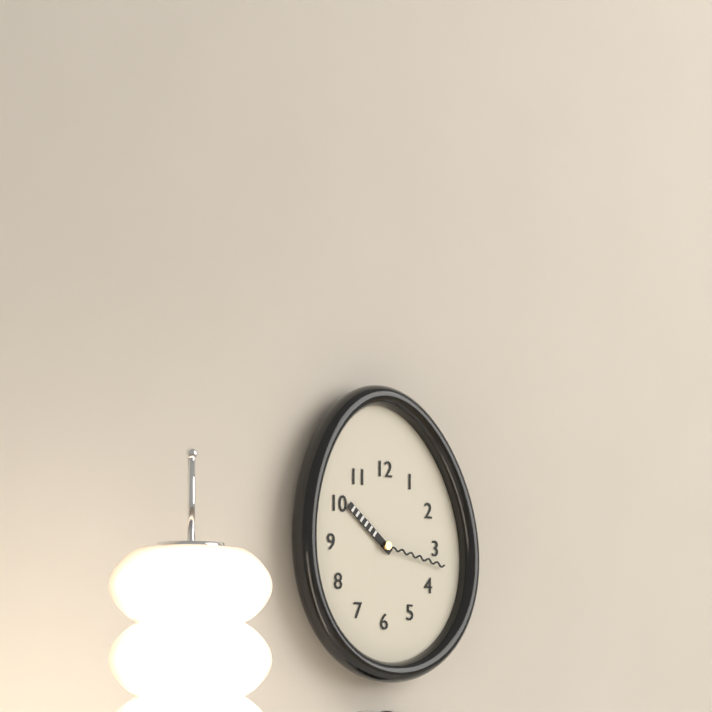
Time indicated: 10:17
